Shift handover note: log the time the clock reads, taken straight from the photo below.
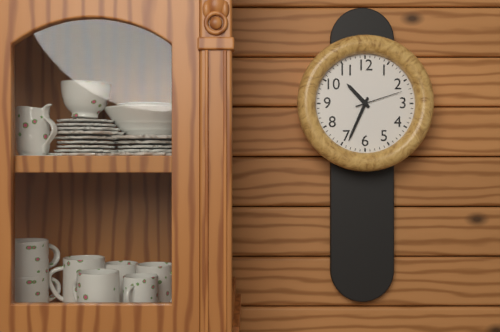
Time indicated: 10:34:12
